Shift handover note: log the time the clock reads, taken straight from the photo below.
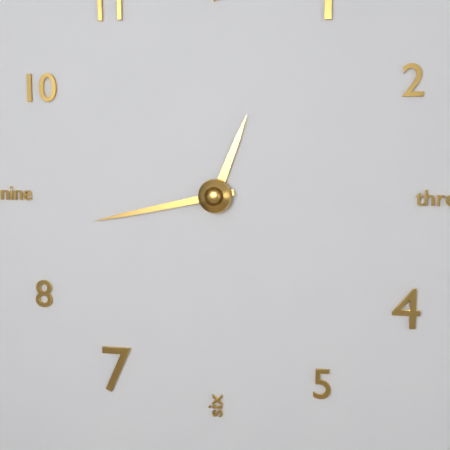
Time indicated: 12:43
